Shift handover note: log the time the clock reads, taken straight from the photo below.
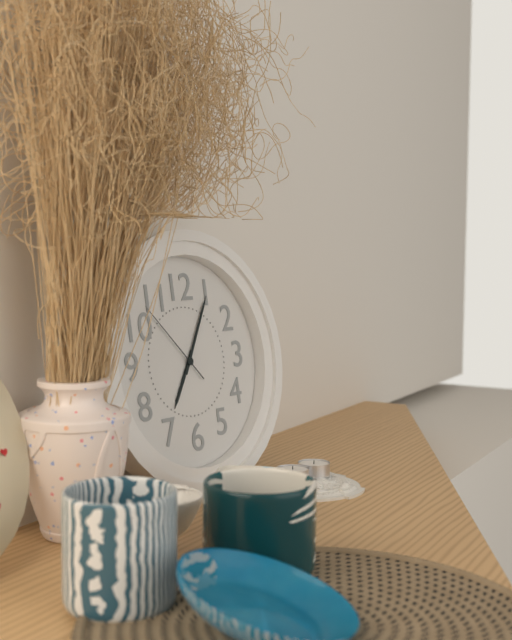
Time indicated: 7:05:53
